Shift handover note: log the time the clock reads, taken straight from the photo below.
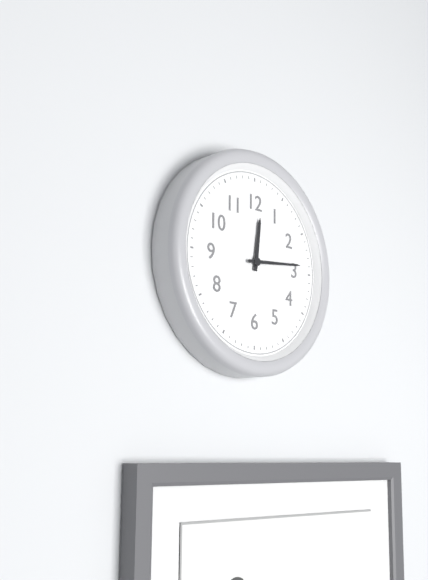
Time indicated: 12:14
